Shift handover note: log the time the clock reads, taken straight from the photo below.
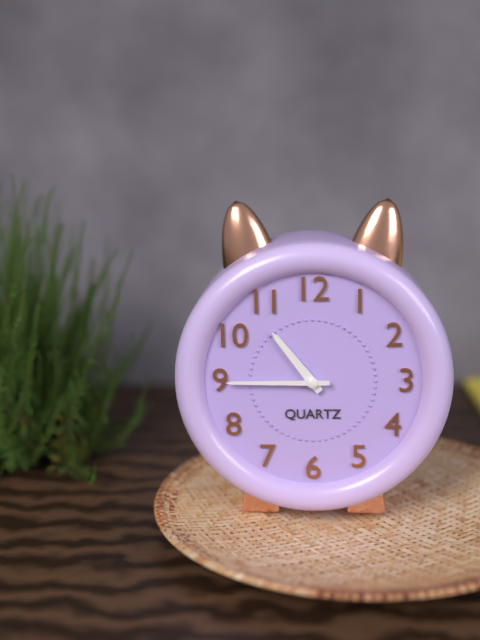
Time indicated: 10:45
